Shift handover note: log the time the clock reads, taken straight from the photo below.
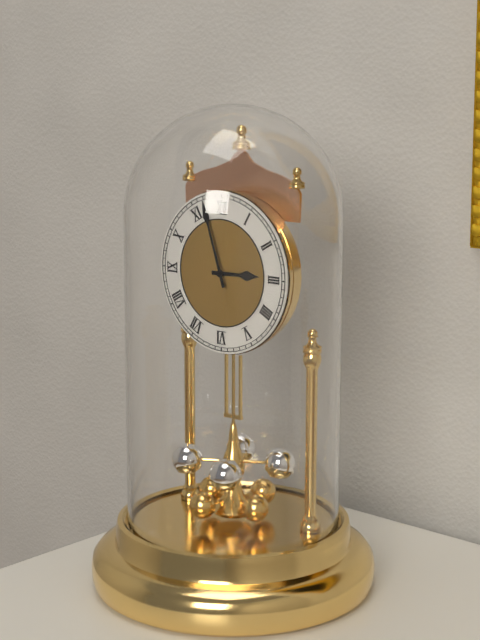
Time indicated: 2:57
